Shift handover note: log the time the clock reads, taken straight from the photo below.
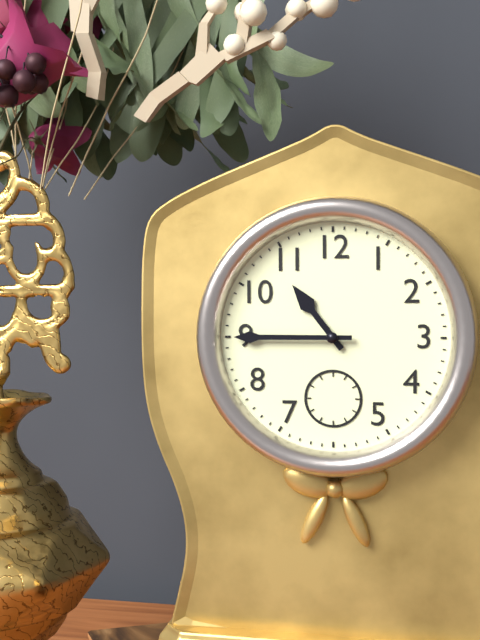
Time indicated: 10:45
